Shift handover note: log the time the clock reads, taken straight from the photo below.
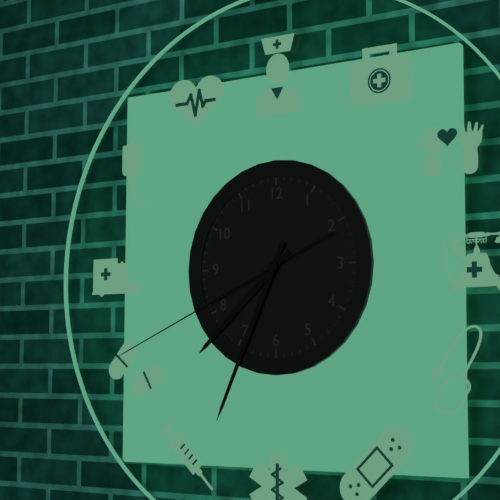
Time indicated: 7:34:41
